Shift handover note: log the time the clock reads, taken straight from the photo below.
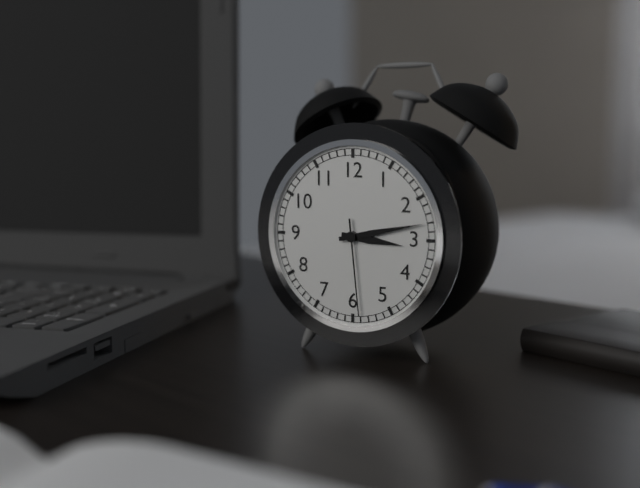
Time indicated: 3:13:29
